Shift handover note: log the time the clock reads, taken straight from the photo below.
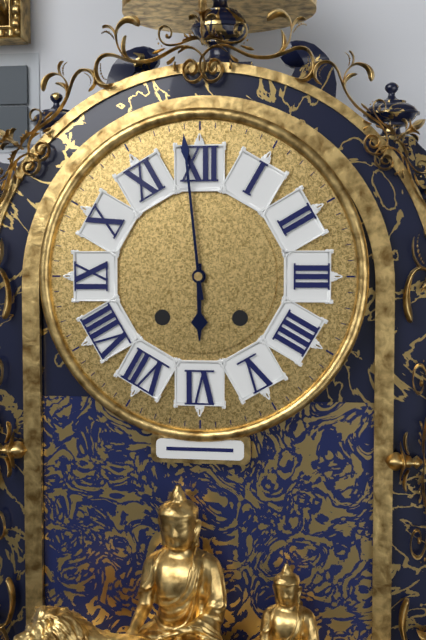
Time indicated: 5:59
